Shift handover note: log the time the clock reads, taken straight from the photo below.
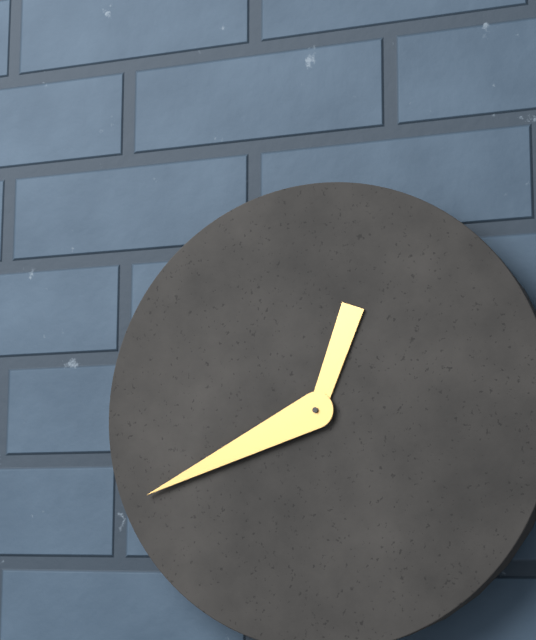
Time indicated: 12:41
